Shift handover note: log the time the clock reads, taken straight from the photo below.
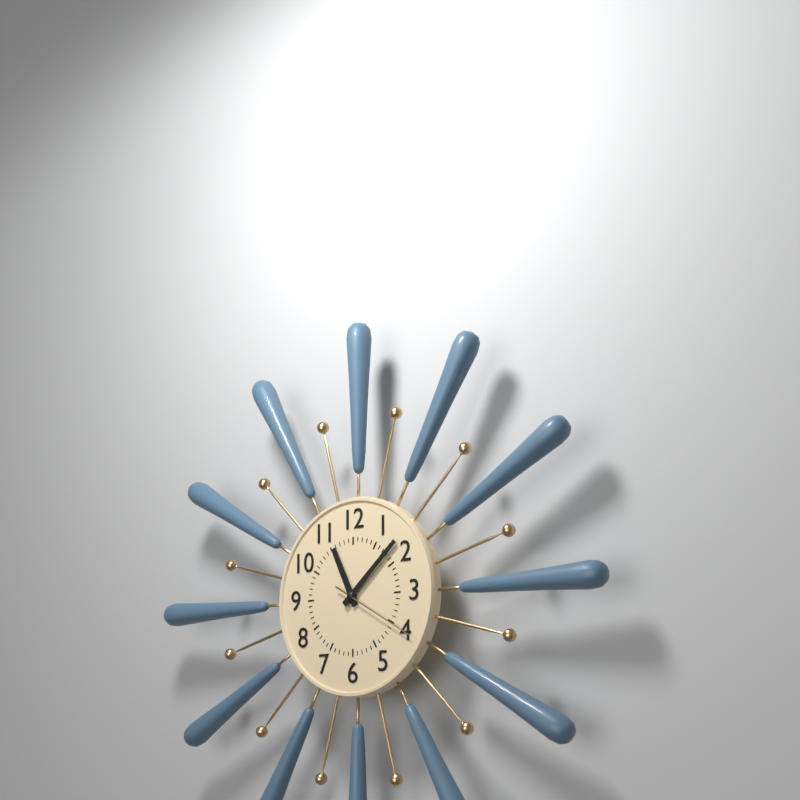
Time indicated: 11:08:20
